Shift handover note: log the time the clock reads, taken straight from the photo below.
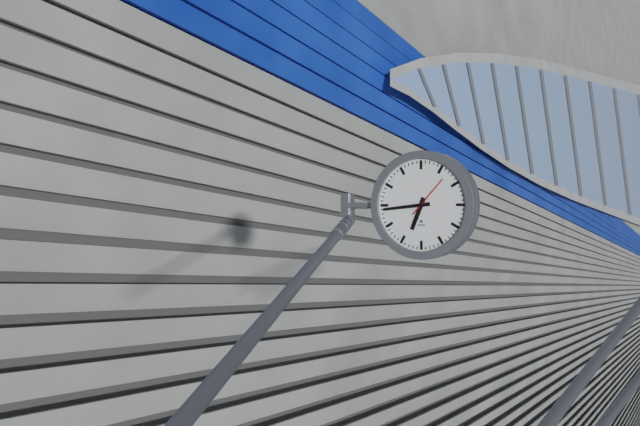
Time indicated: 6:44
